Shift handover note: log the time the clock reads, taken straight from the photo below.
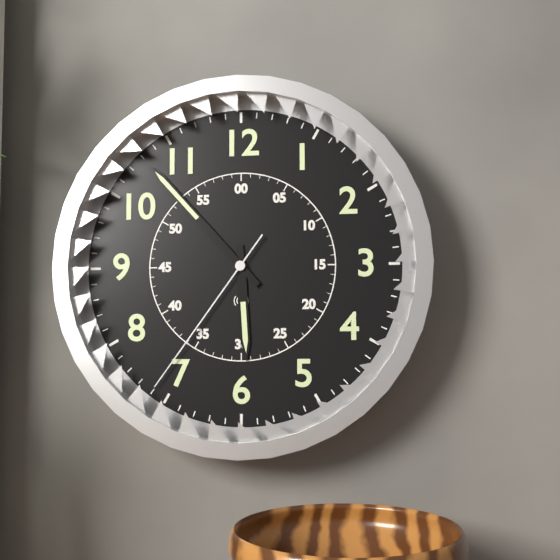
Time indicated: 5:53:36
